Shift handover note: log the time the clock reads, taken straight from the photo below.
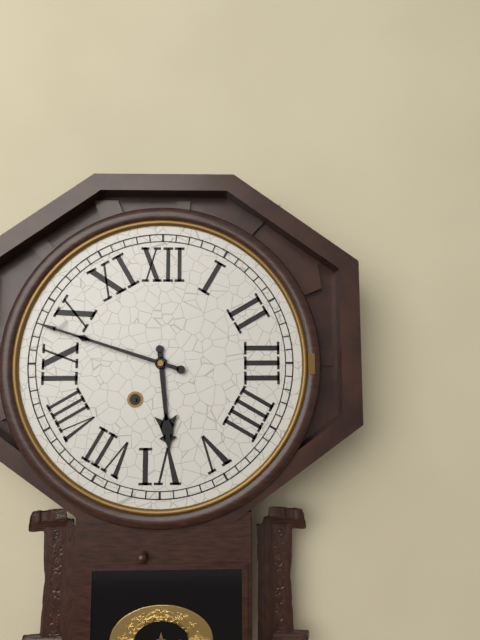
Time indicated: 5:48
